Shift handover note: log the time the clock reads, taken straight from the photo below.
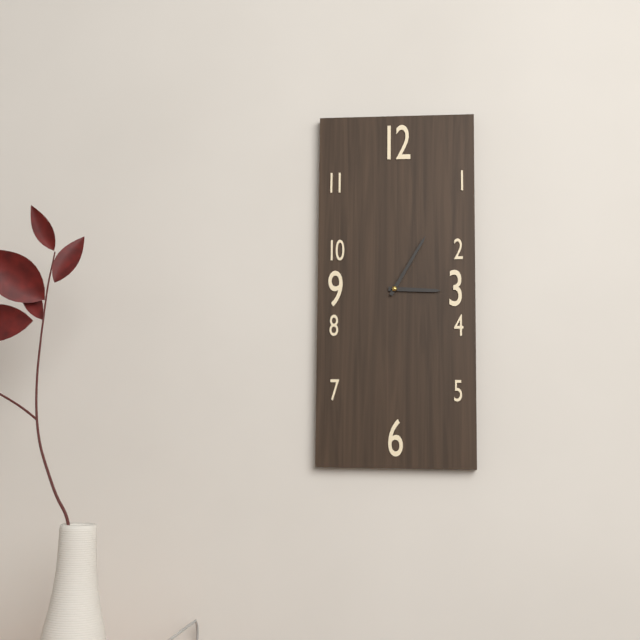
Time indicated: 3:05
